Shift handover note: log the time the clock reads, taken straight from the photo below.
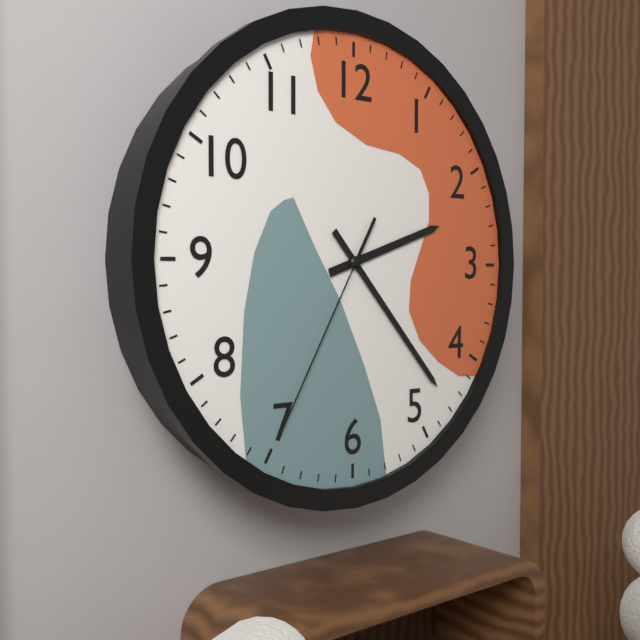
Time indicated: 2:23:35
